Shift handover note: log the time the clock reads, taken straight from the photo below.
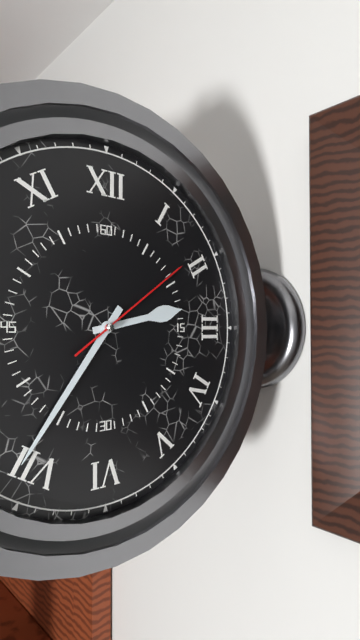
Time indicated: 2:36:09
